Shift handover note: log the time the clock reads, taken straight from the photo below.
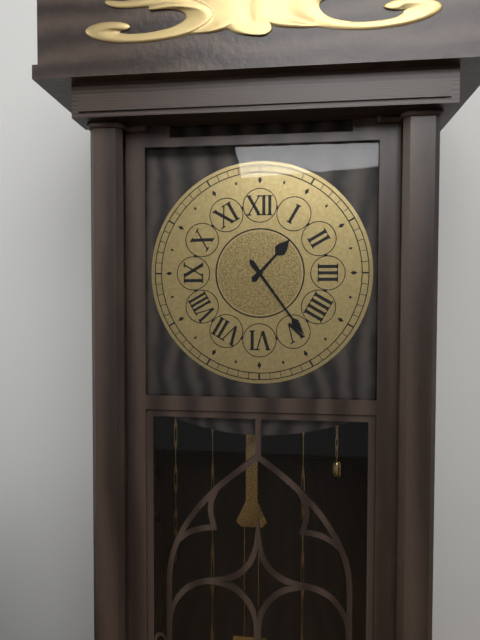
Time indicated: 1:24
